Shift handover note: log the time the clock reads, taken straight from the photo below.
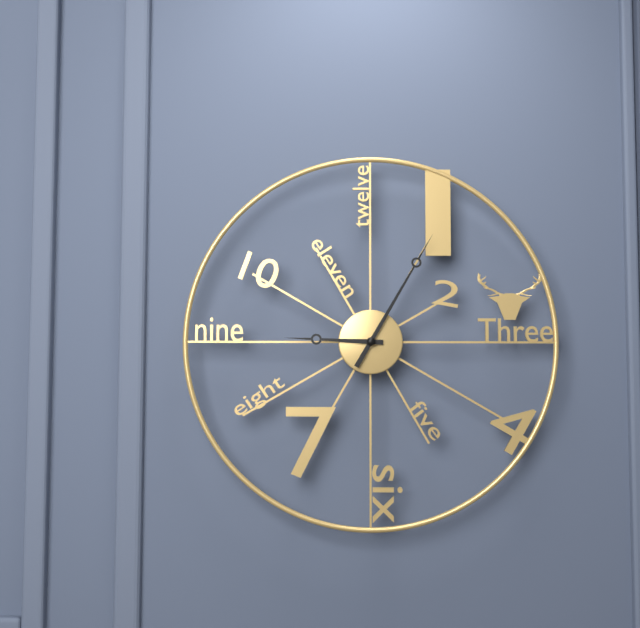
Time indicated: 9:05
